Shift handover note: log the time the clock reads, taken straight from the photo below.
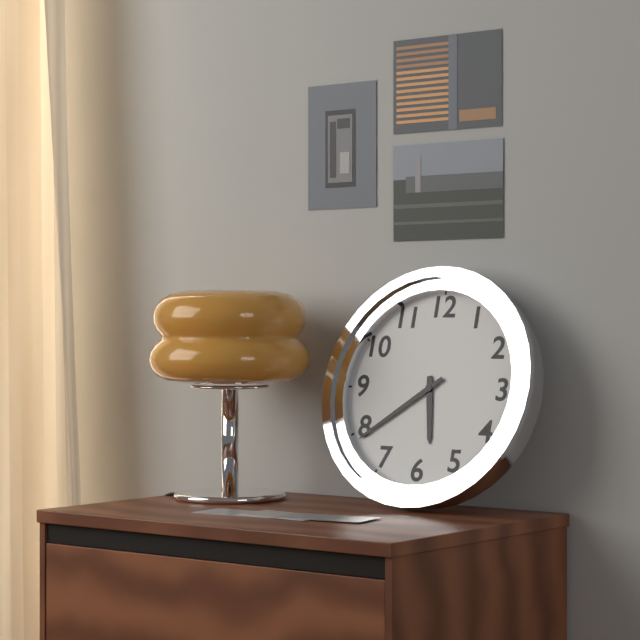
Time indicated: 5:39
